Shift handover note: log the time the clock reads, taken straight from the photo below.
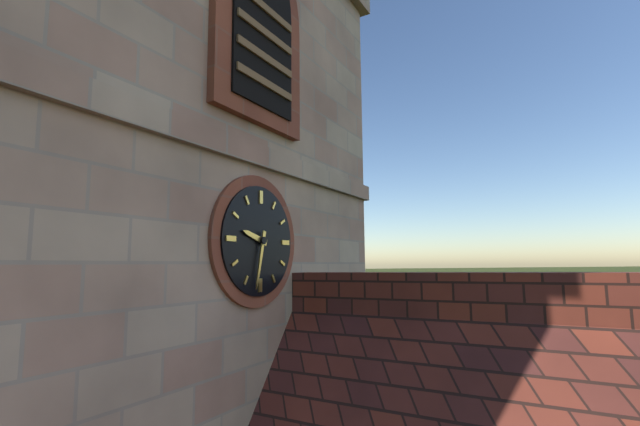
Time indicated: 9:32
